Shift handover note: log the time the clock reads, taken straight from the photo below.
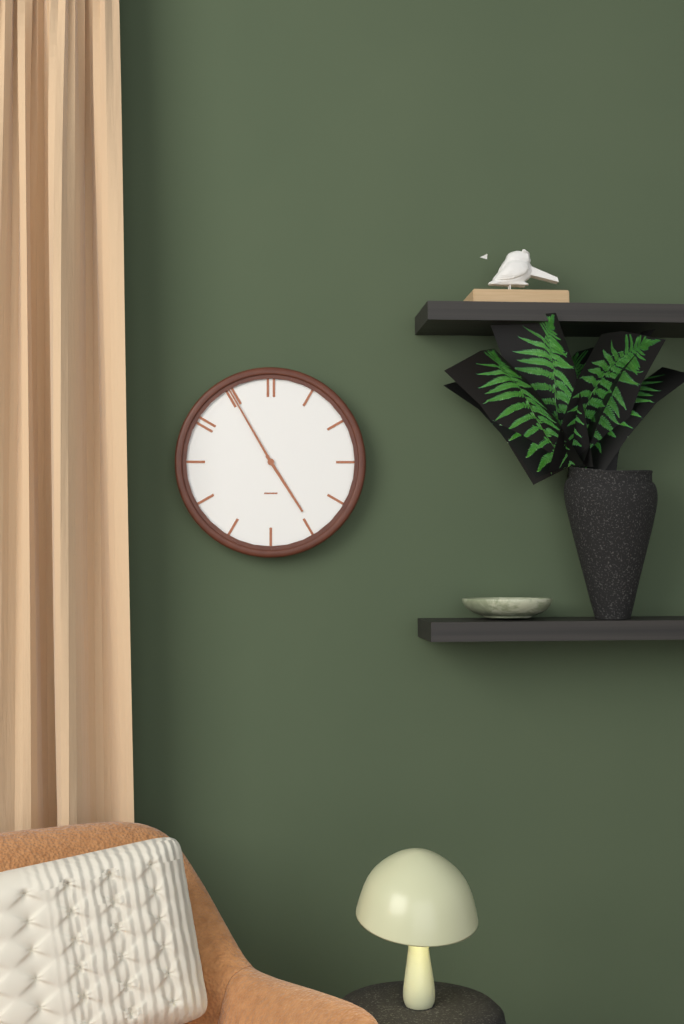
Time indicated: 4:55
